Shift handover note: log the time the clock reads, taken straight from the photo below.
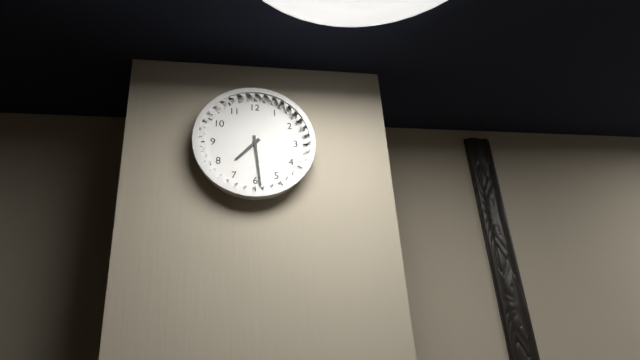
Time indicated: 7:29
